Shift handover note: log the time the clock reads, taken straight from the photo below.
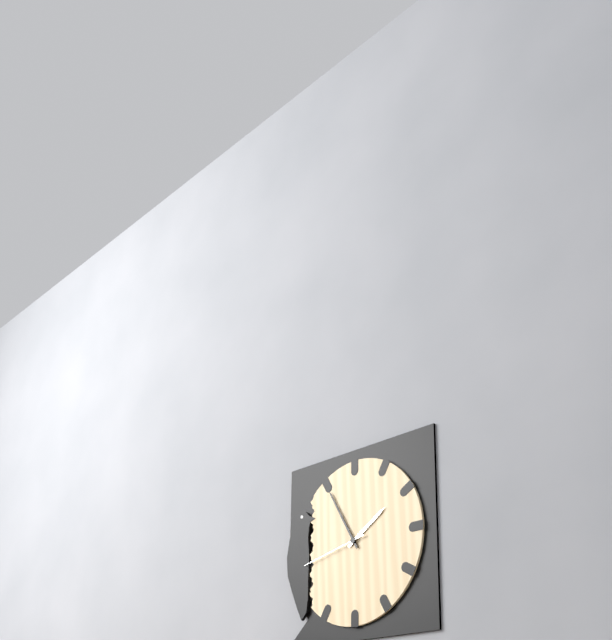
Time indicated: 1:55:43
